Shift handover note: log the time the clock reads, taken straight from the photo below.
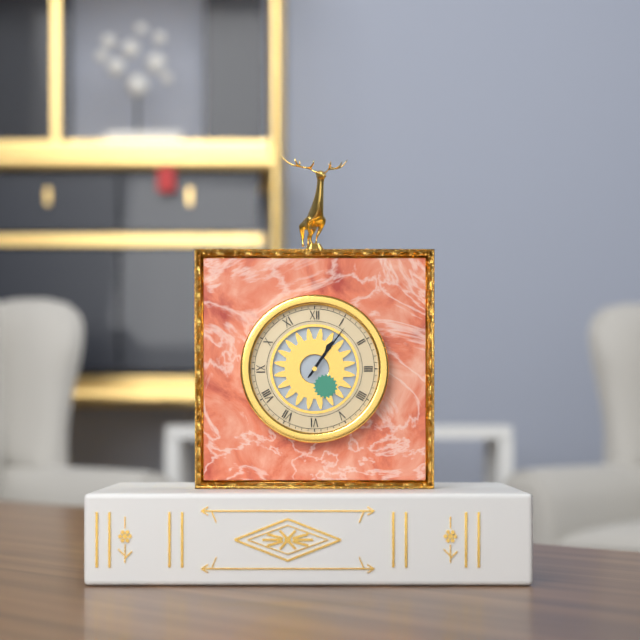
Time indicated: 1:06
